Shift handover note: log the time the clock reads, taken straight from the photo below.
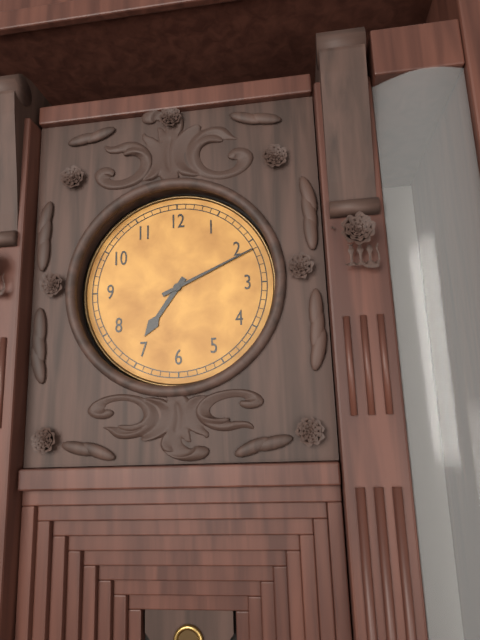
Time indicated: 7:11
